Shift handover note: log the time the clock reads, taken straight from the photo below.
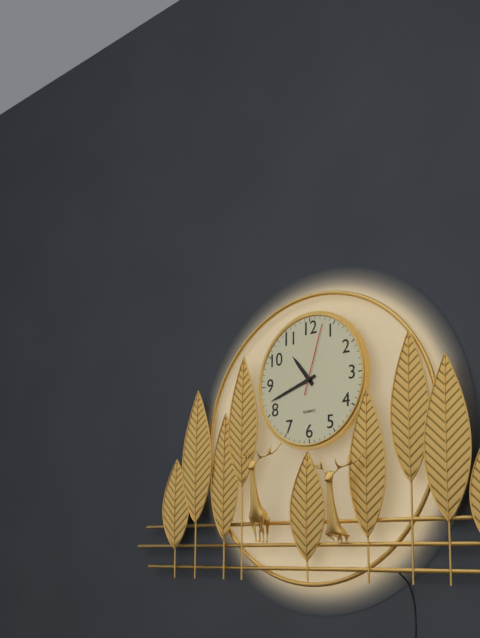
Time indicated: 10:42:03
